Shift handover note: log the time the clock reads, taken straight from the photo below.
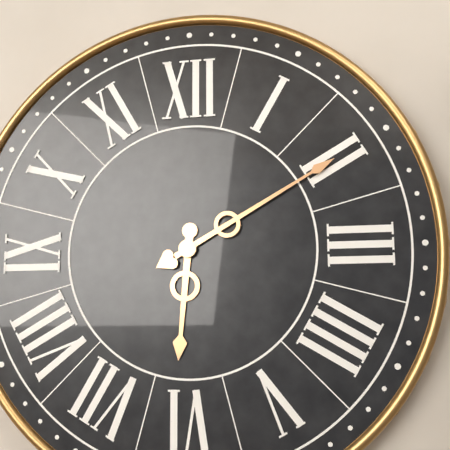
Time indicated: 6:10
